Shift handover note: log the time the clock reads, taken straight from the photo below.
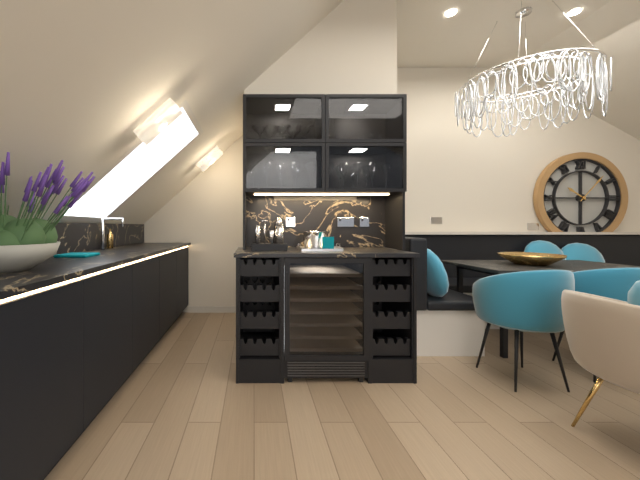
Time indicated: 10:07
